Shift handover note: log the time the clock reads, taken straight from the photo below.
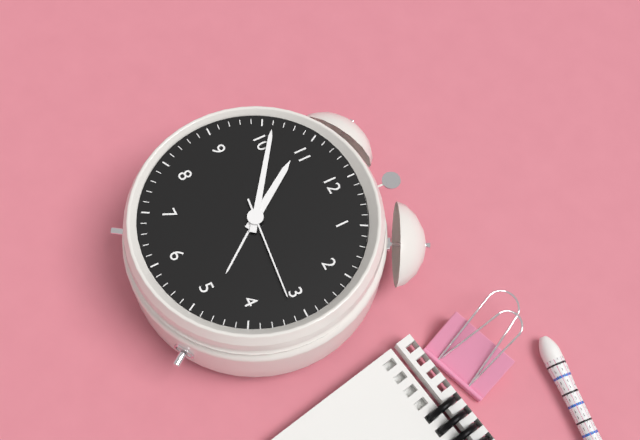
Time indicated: 10:51:16
